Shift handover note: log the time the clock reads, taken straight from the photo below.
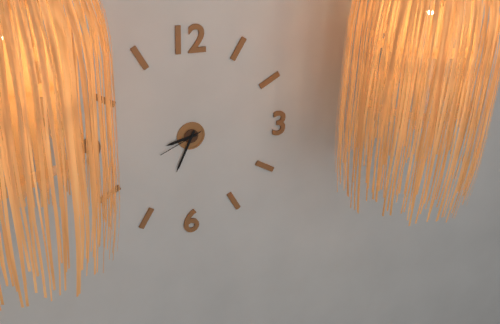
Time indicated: 8:34
